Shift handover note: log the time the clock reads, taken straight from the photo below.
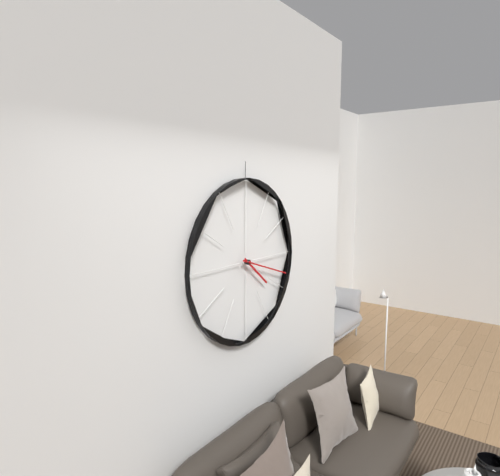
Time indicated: 4:18
